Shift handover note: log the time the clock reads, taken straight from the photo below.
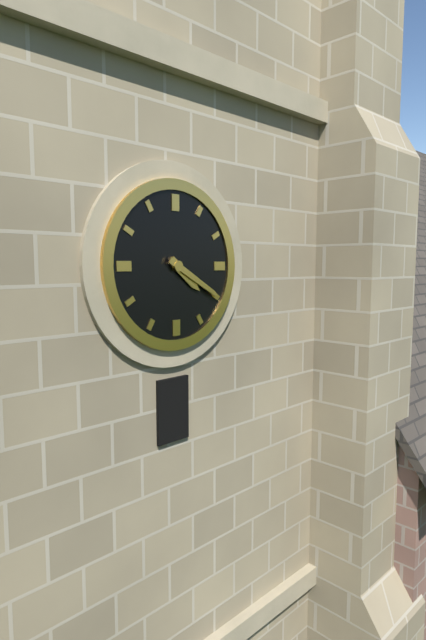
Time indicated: 4:20
